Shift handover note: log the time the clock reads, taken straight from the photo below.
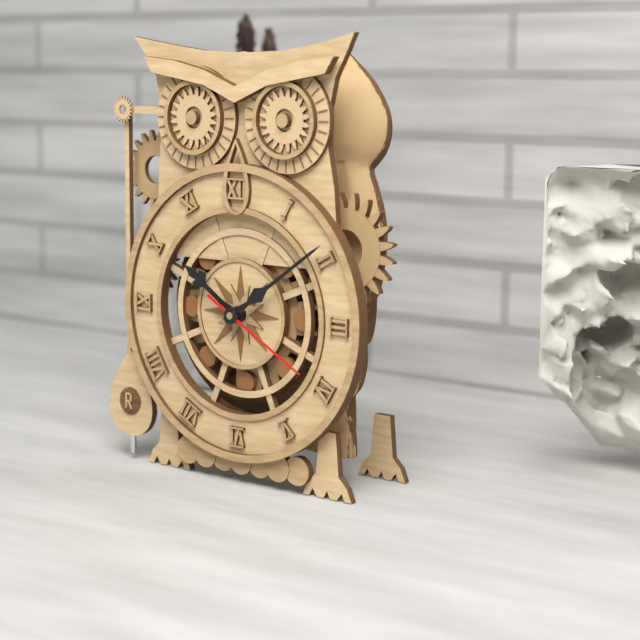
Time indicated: 10:09:20
